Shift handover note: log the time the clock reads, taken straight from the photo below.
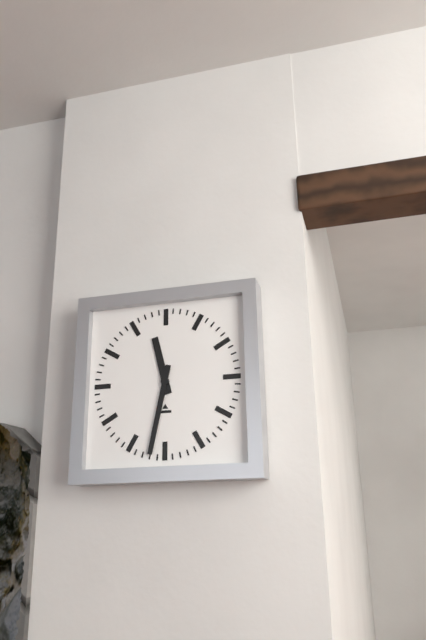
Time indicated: 11:32
